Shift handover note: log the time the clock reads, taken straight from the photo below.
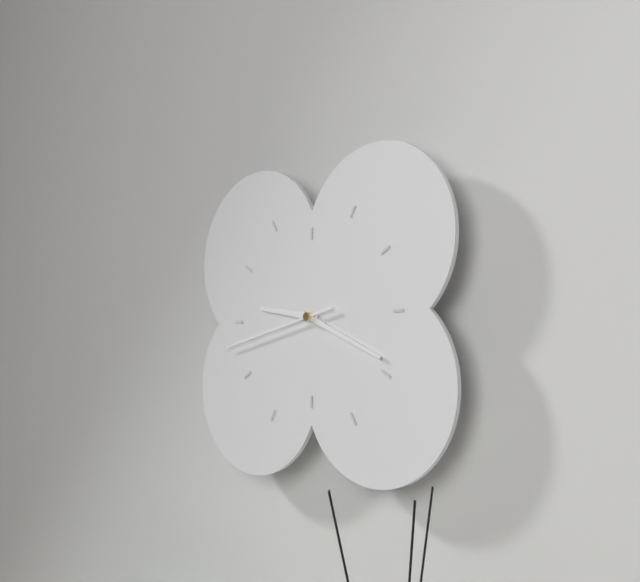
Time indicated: 9:19:43
